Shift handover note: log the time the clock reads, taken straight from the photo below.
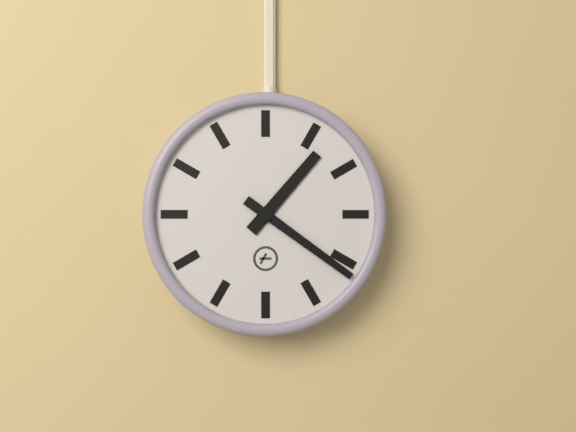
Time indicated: 1:21
